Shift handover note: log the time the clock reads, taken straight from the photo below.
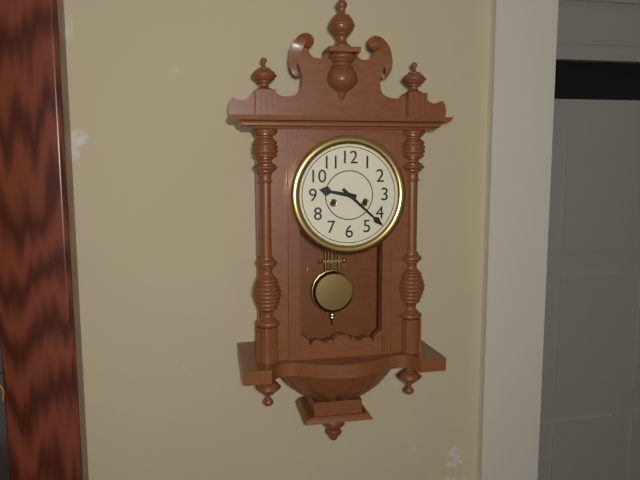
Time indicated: 9:22
